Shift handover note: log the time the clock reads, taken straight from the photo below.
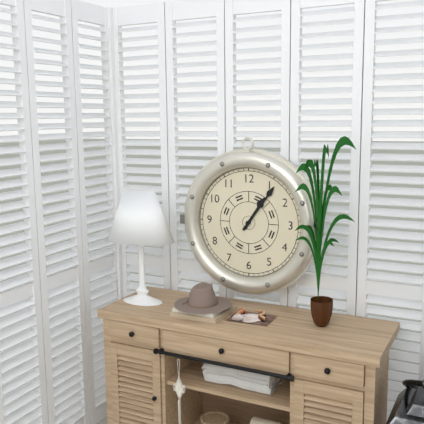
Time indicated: 1:06
